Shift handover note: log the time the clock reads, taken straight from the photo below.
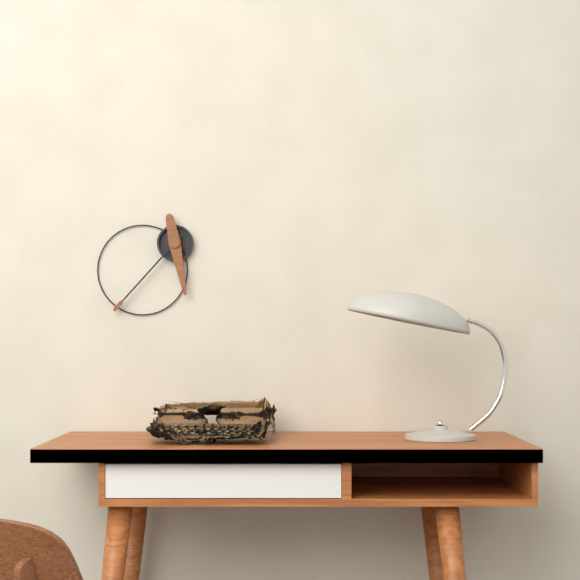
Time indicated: 5:37
